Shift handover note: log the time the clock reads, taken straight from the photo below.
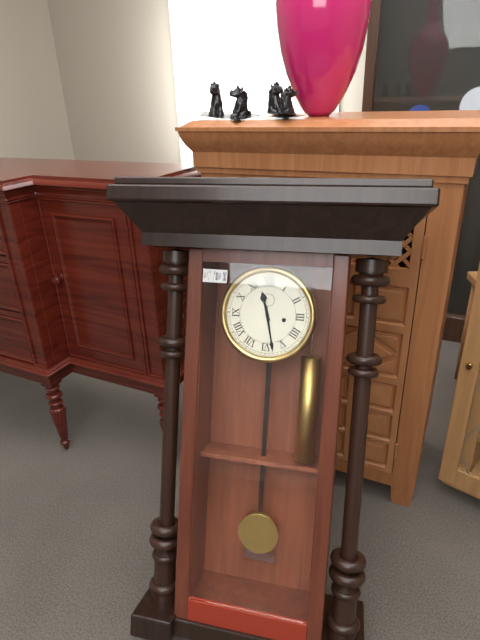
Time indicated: 11:28
